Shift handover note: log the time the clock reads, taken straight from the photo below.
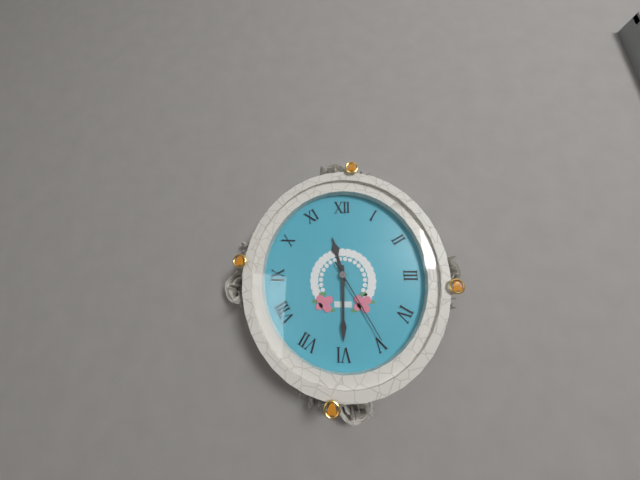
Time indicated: 11:30:25
